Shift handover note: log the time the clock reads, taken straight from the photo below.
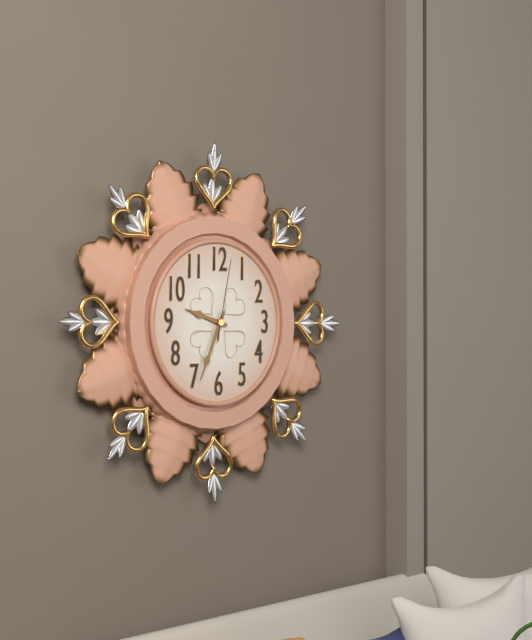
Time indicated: 9:34:02
